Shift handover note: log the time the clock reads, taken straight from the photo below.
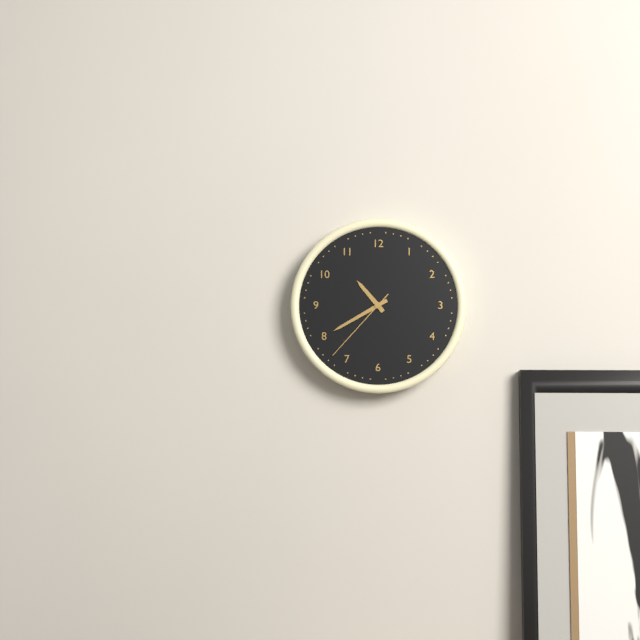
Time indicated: 10:40:37
